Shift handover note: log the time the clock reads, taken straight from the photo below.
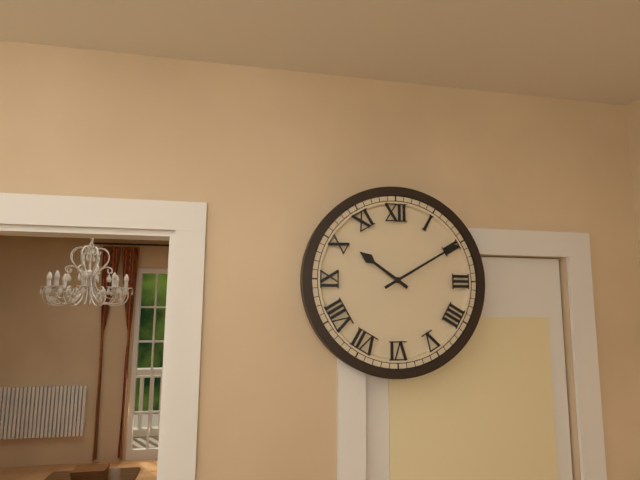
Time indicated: 10:10
